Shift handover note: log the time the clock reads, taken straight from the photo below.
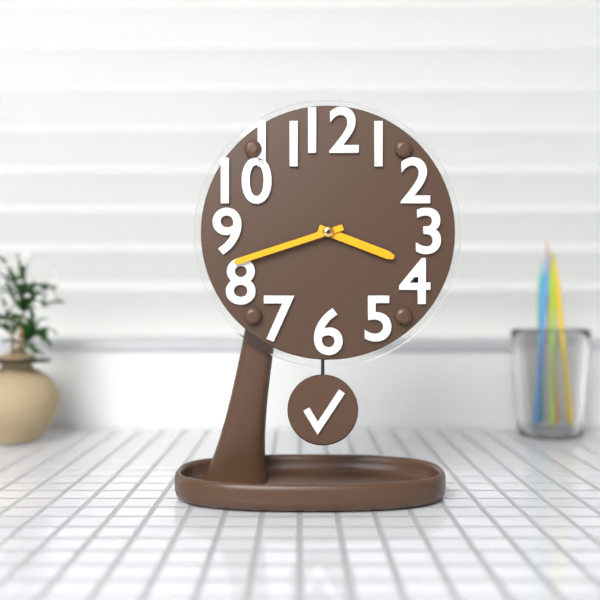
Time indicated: 3:42
